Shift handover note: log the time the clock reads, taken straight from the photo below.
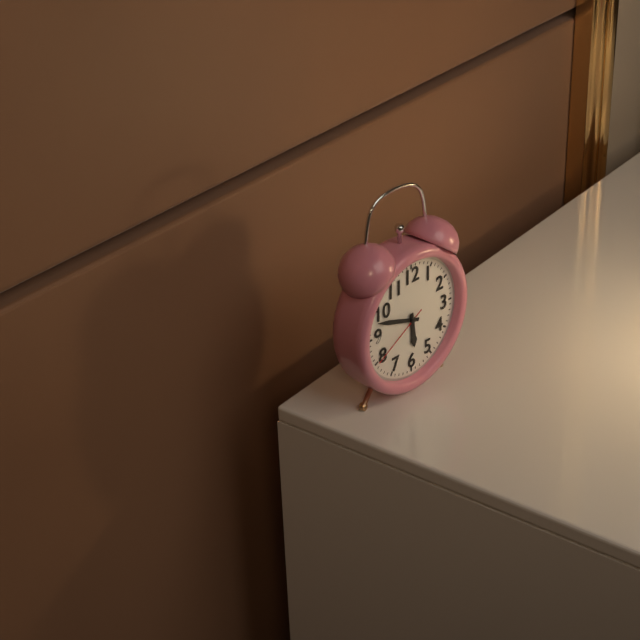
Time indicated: 5:48:40
